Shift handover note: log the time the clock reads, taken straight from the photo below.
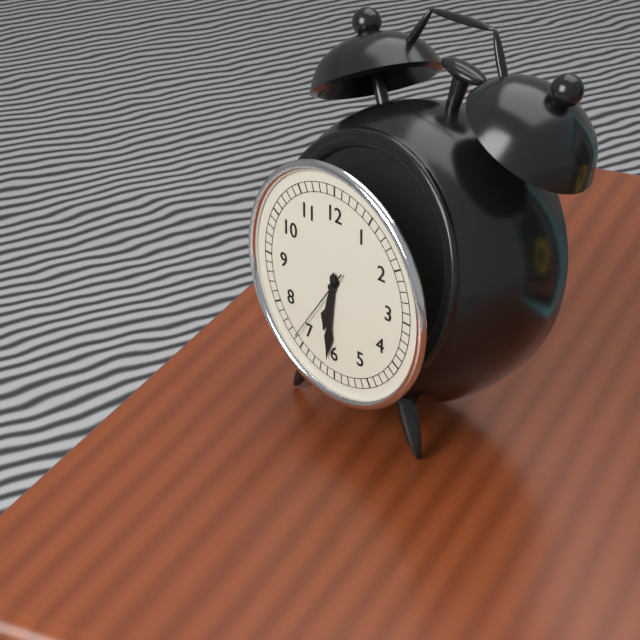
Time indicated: 6:31:36
